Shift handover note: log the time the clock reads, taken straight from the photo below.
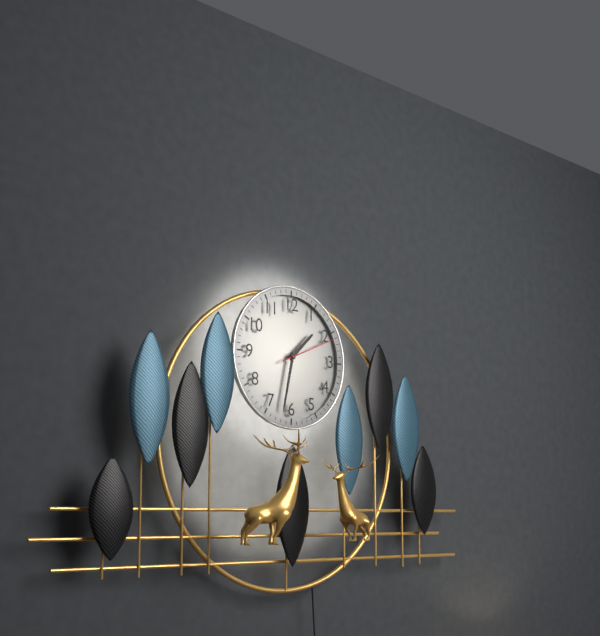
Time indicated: 1:32:11
